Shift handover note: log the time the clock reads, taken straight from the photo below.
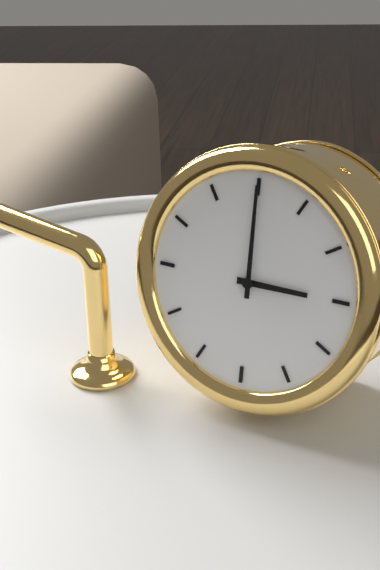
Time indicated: 3:00
